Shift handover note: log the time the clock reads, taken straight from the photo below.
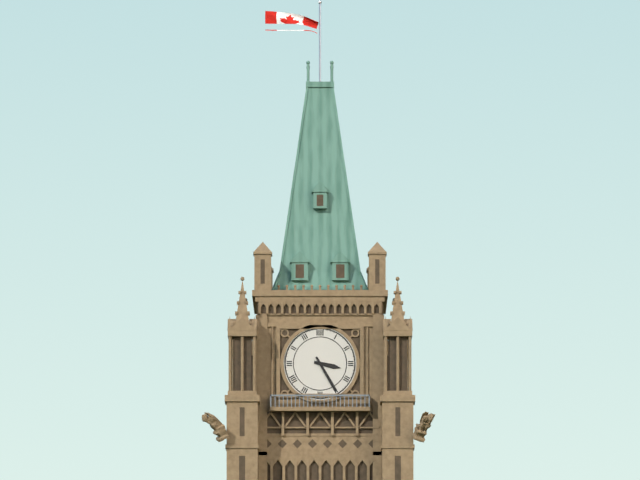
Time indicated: 3:25
